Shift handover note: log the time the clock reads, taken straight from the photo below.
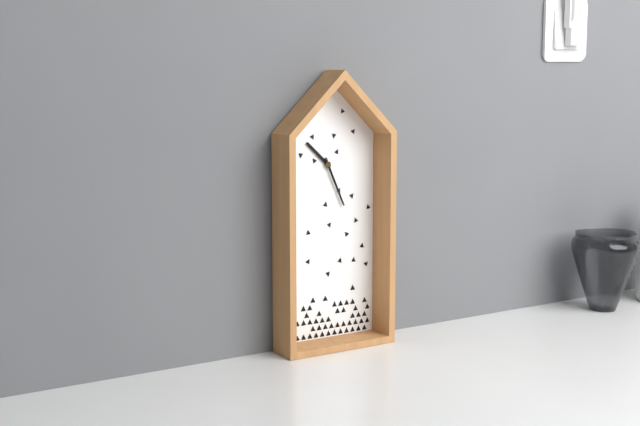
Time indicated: 10:26
